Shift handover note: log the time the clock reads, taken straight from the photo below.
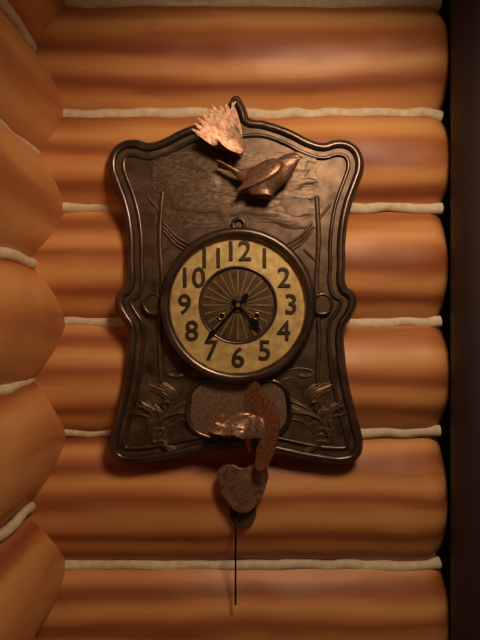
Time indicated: 4:37
